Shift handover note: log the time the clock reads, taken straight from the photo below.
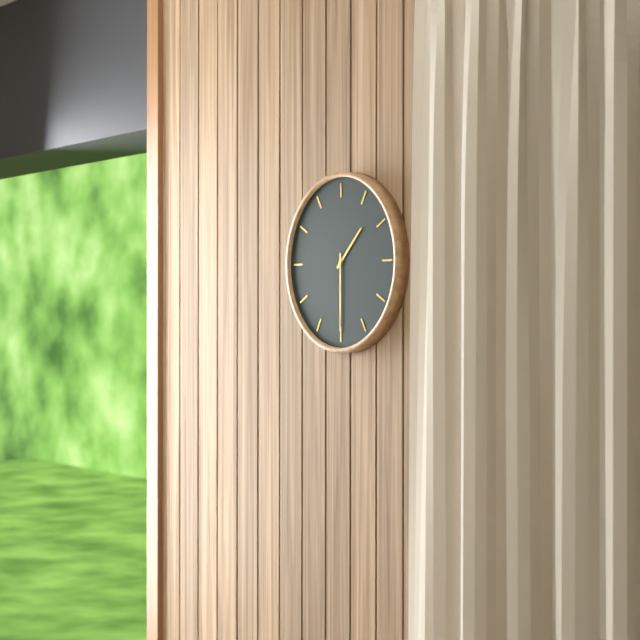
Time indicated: 1:30
